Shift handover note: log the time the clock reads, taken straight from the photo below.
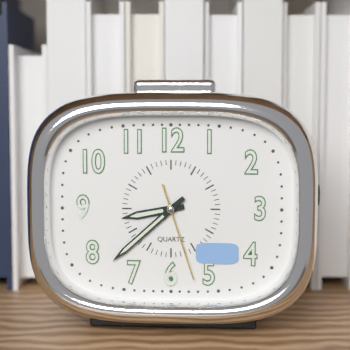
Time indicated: 8:38:27
